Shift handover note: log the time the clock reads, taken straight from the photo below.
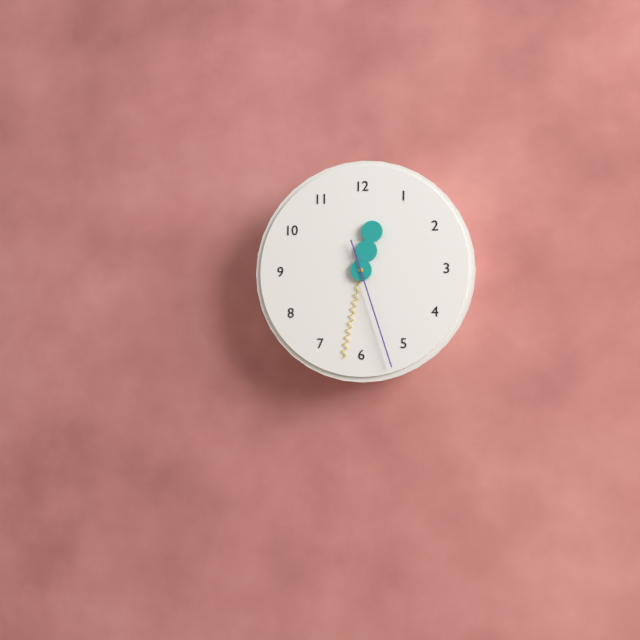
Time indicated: 12:32:27
